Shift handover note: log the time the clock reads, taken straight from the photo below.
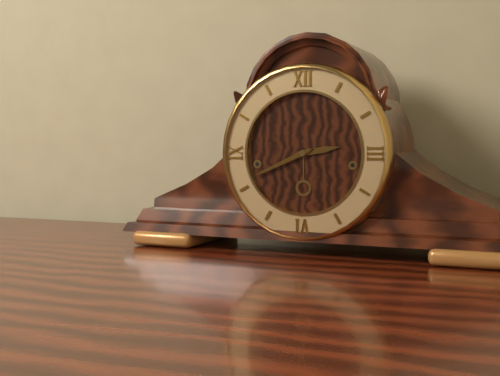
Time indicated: 2:41
